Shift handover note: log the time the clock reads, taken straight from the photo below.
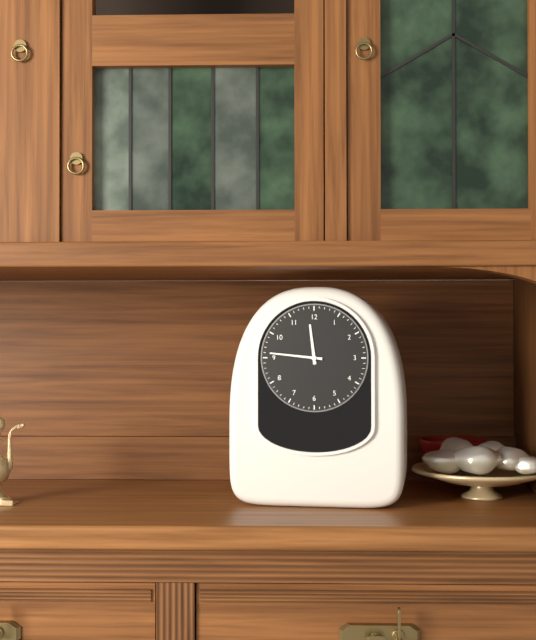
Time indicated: 11:46
